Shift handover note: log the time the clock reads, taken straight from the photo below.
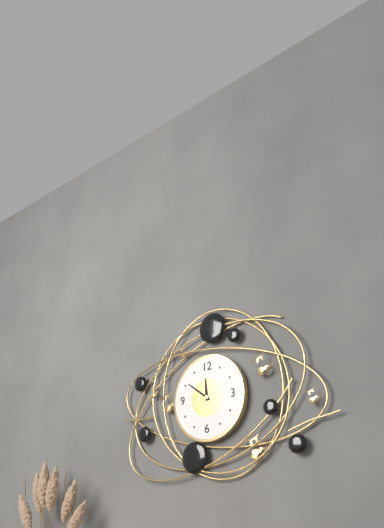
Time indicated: 11:51
